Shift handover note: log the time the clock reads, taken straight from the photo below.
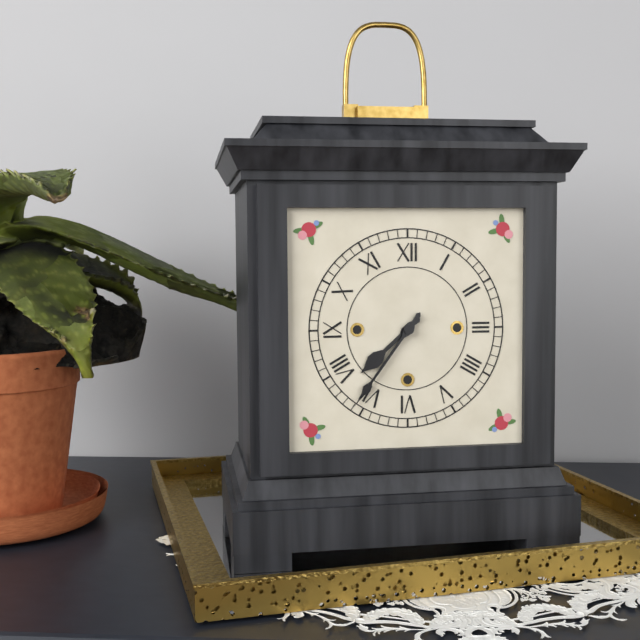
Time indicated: 7:36
